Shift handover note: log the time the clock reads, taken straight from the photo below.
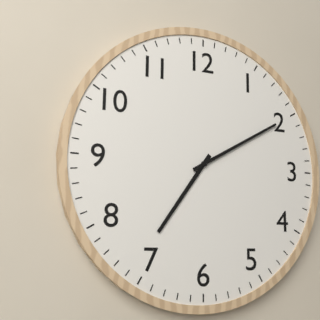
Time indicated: 7:10
